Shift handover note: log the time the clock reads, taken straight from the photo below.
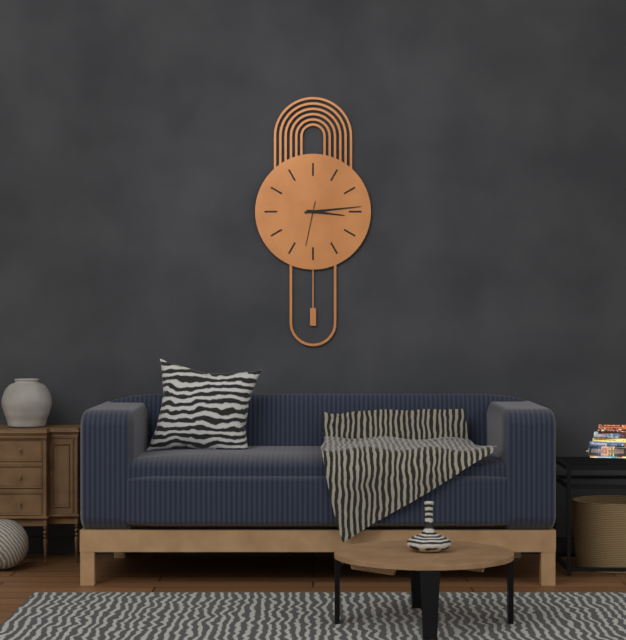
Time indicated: 3:14
